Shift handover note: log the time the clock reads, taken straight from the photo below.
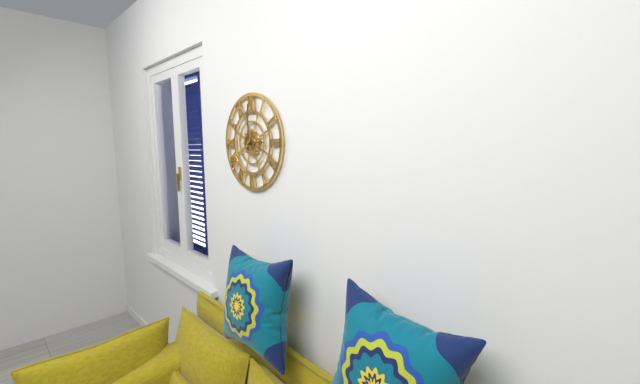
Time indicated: 3:00
